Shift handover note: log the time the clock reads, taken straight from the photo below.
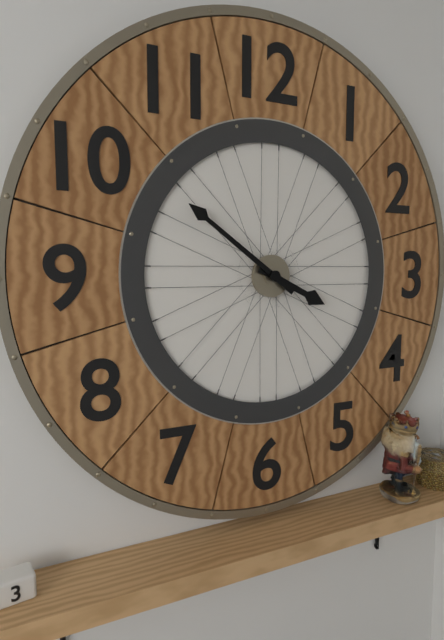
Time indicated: 3:51
